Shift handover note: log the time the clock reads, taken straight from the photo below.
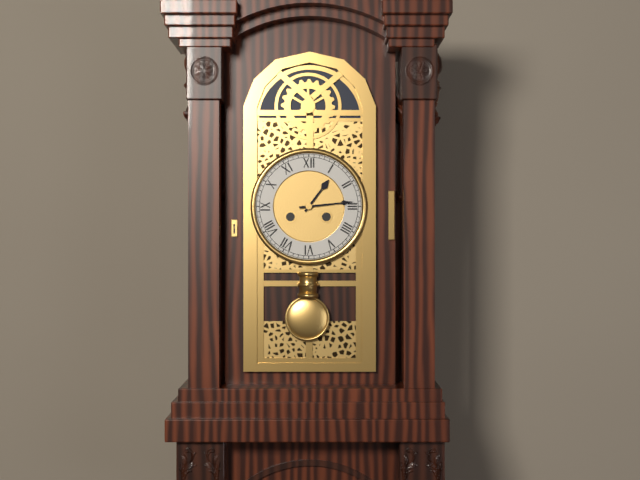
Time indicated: 1:14
